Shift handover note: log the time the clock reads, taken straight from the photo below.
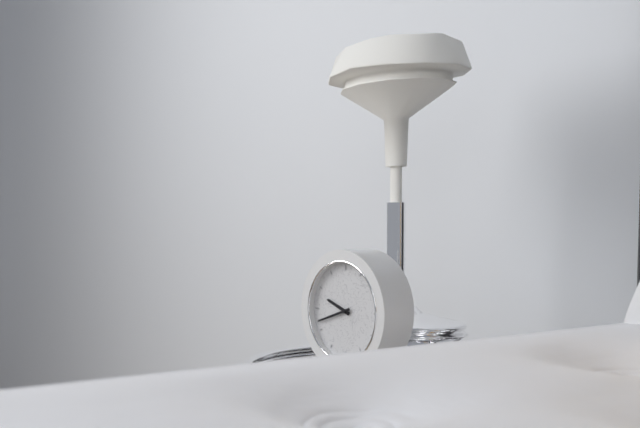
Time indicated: 9:42
